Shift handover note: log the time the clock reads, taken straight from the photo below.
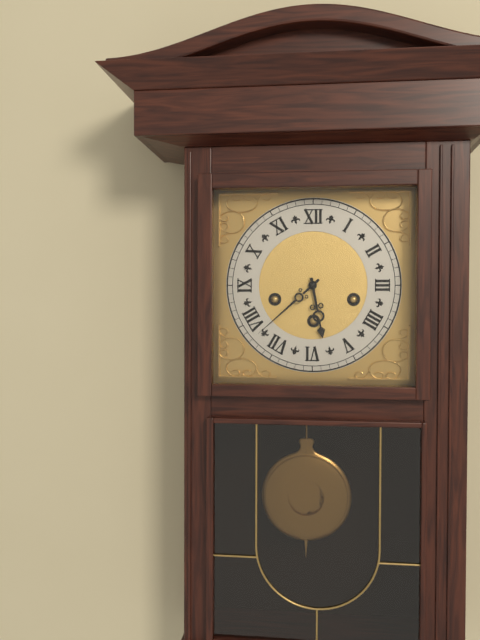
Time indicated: 5:38
